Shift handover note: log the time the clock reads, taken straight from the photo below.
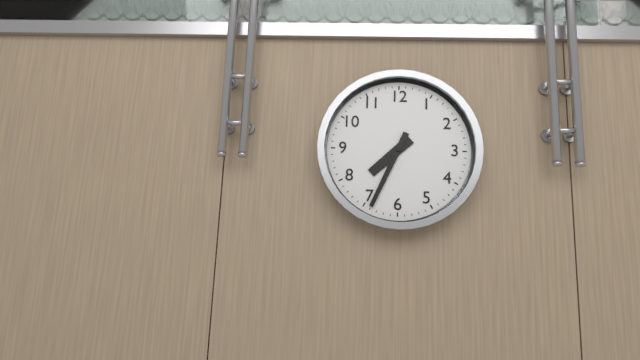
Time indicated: 7:34
